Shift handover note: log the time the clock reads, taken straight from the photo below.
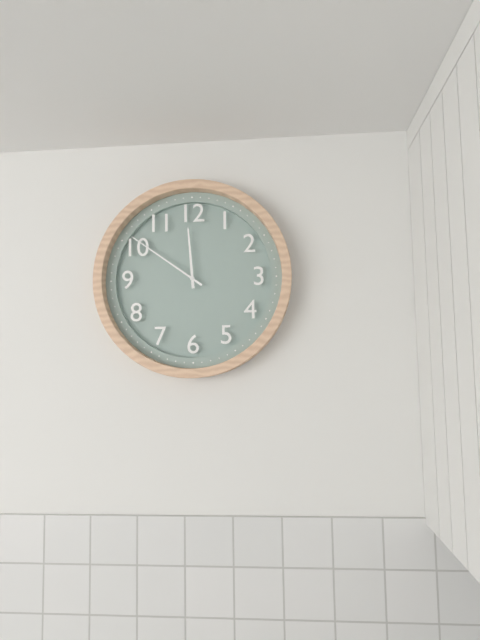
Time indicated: 11:51
